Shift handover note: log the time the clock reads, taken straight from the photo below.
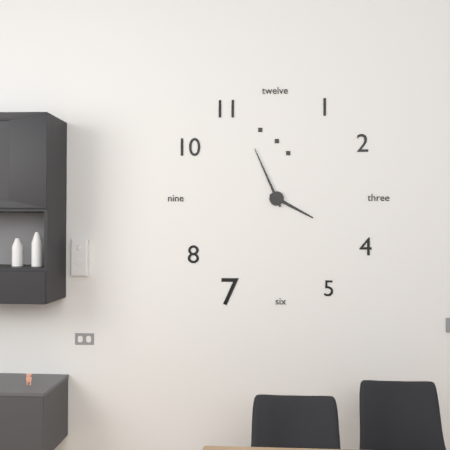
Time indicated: 3:56
